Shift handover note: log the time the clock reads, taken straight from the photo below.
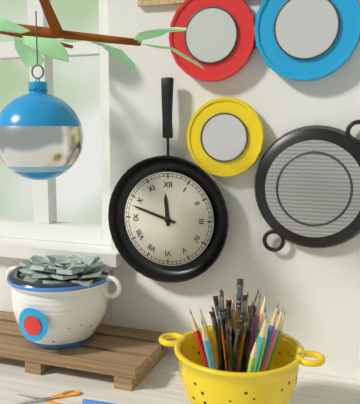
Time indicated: 11:48
